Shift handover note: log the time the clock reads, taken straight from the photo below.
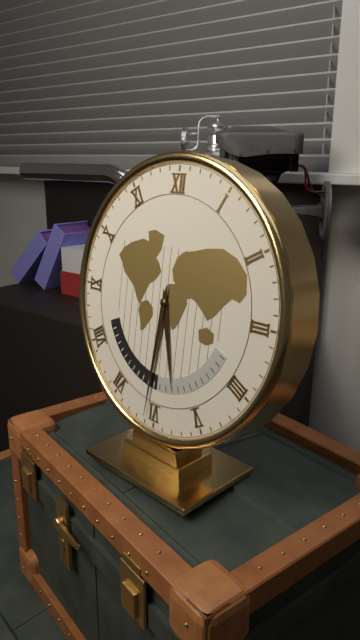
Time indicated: 5:31
